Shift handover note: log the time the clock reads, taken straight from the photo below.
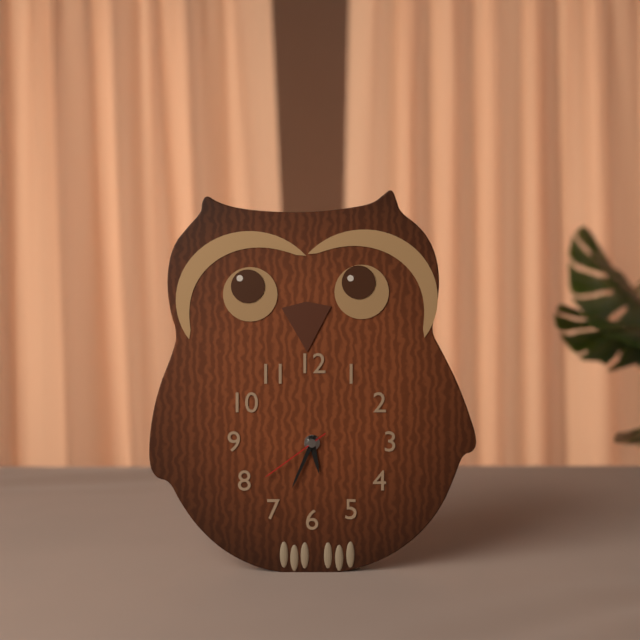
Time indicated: 5:34:39
